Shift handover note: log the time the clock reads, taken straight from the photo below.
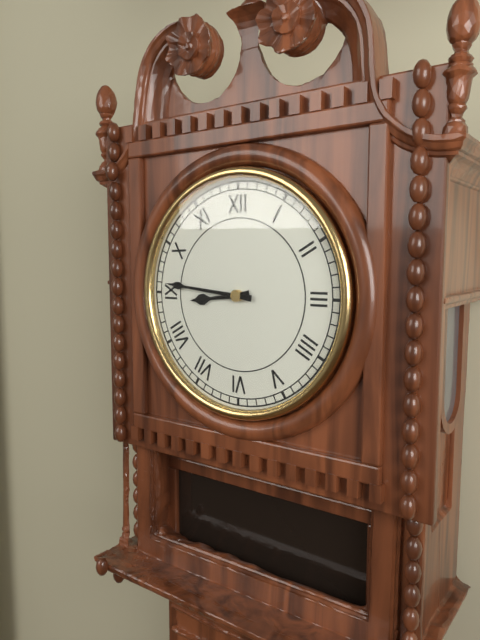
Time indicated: 8:46
